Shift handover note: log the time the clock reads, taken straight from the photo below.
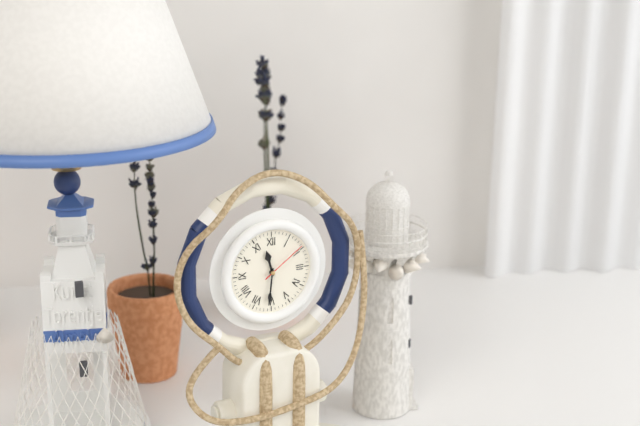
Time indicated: 11:31
